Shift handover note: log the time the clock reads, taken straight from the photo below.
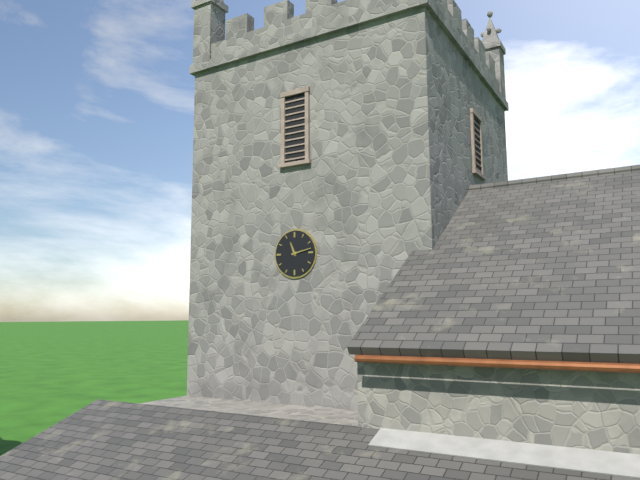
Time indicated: 11:13
